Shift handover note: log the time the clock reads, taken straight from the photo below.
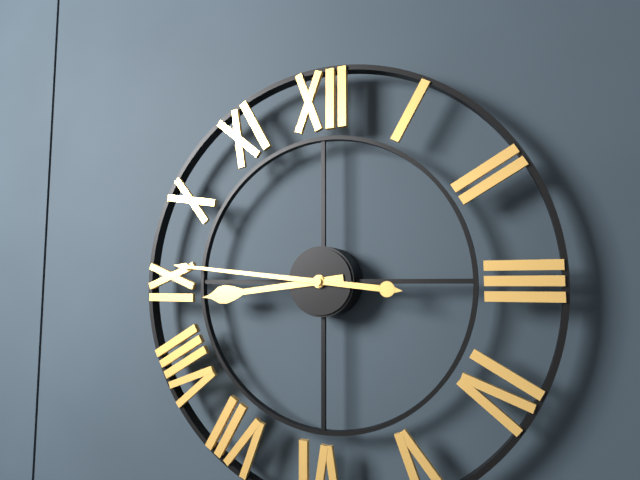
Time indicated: 8:46
